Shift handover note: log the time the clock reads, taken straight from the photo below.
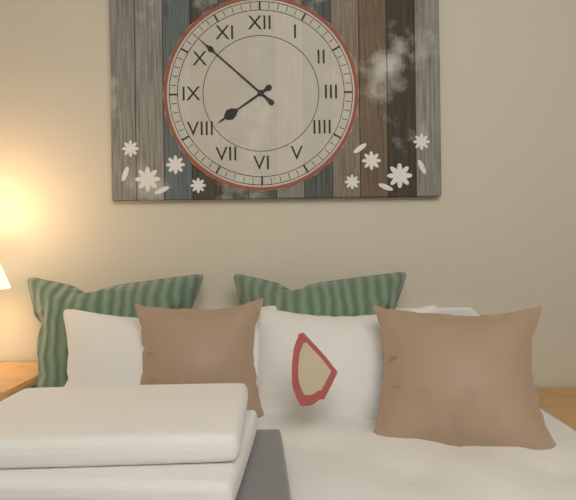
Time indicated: 7:52
